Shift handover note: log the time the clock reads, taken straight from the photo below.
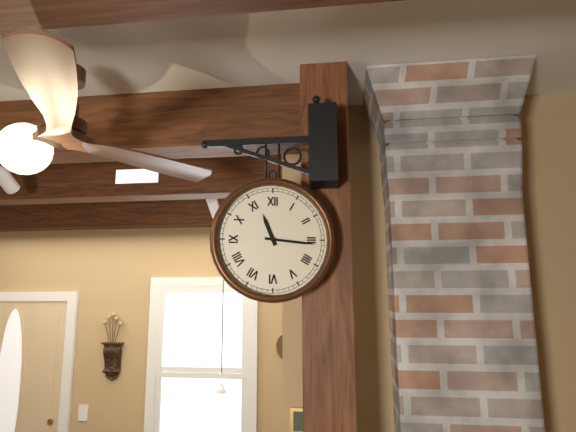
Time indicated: 11:16
